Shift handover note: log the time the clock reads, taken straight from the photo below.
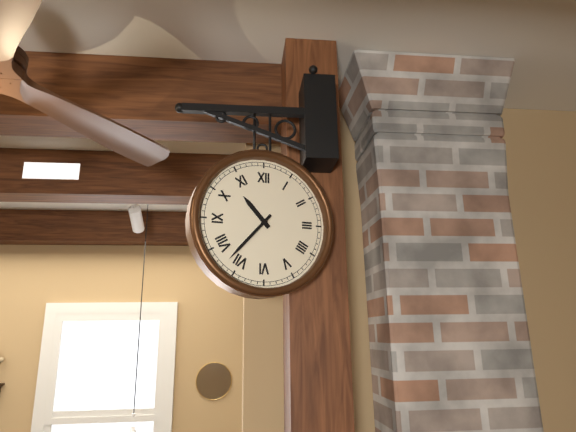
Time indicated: 10:37
